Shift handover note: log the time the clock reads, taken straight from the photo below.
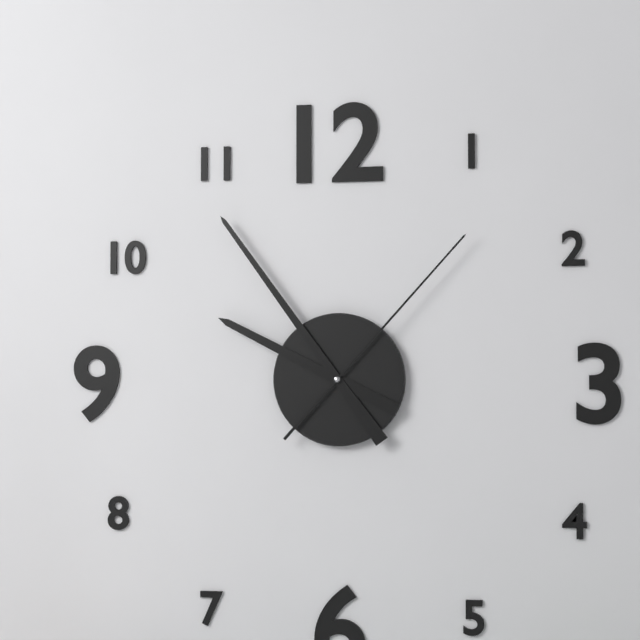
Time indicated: 9:54:07
